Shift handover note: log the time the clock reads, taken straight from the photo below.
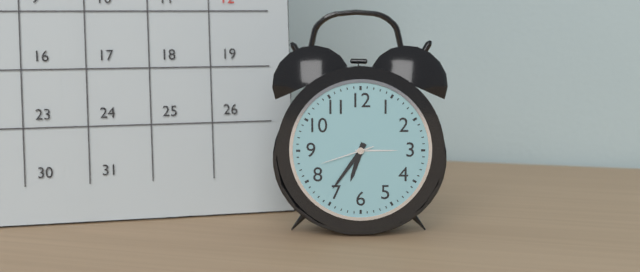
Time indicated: 6:36:42
